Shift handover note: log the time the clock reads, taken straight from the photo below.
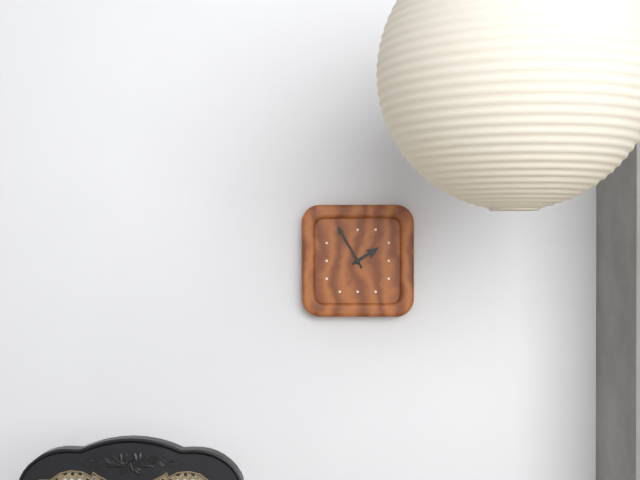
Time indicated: 1:55
